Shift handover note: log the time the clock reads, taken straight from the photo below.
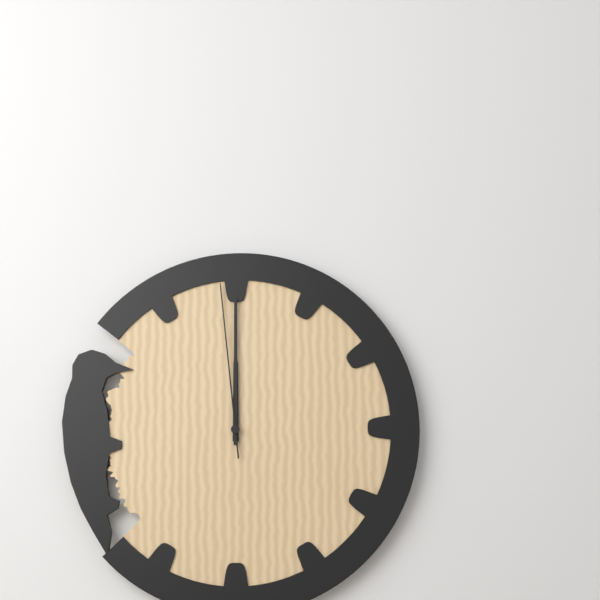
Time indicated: 12:00:59
